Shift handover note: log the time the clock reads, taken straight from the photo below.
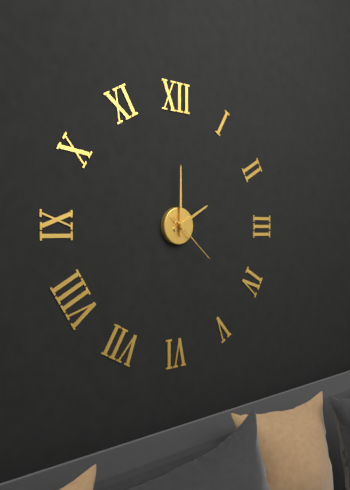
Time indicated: 2:00:22
